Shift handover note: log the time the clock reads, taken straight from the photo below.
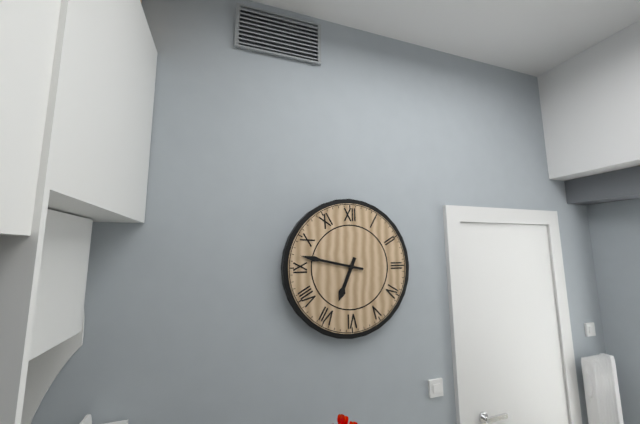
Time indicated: 6:47
